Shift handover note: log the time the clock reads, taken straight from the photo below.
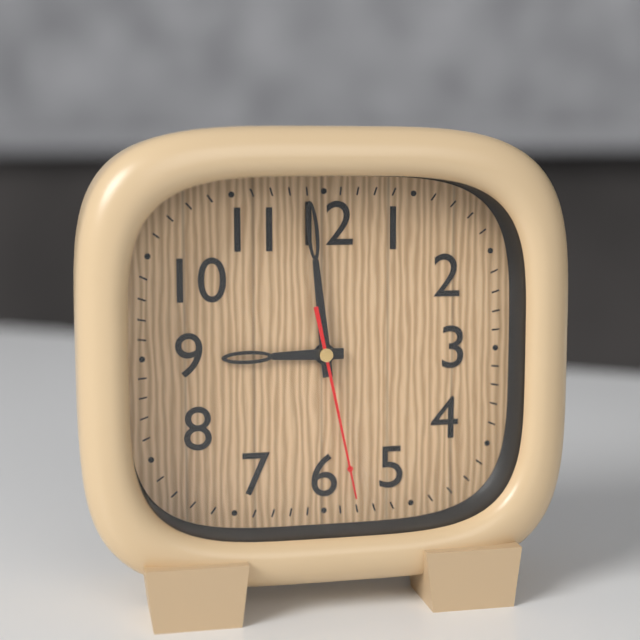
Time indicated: 8:59:28
